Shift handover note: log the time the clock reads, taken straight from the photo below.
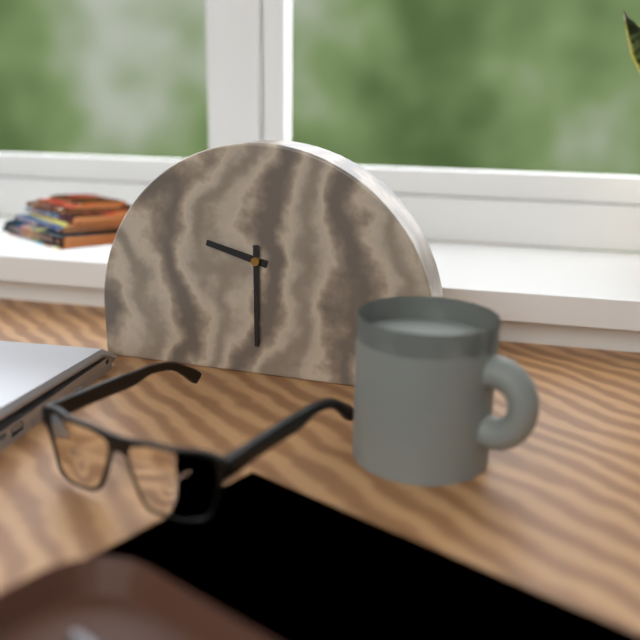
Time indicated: 9:30
